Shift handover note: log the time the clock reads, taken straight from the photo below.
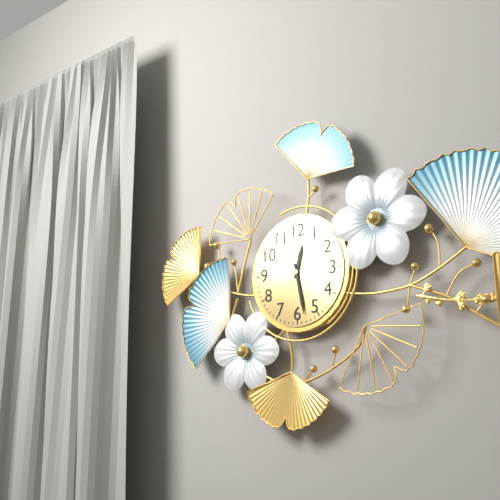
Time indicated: 12:28
